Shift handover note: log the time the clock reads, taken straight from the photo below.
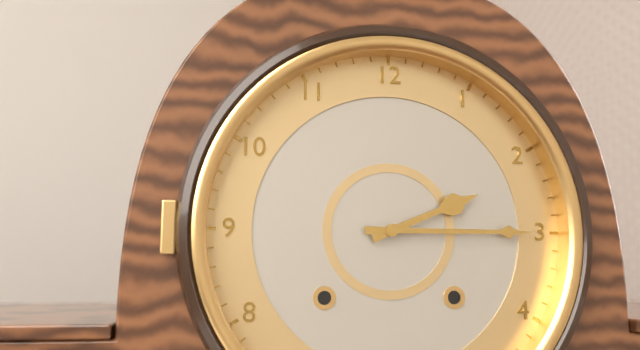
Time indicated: 2:15
